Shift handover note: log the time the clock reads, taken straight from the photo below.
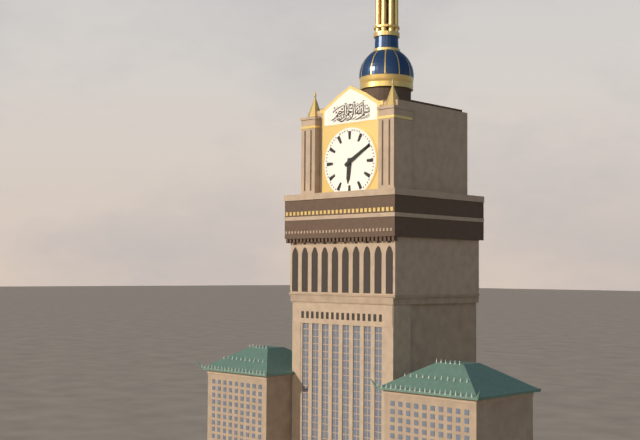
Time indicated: 6:10
